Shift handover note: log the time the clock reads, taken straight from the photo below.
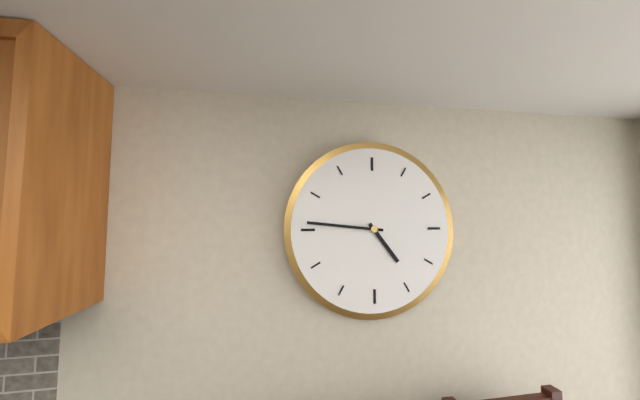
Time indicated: 4:46
